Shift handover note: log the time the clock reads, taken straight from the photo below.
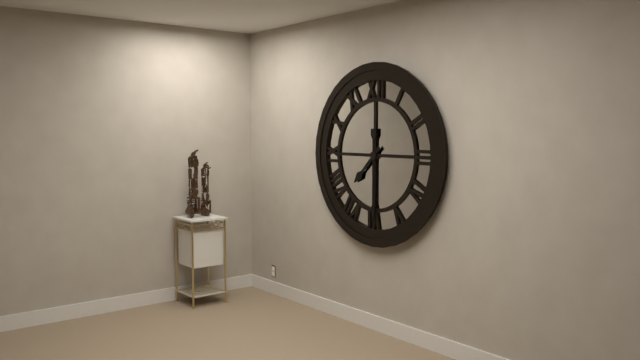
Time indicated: 7:30
